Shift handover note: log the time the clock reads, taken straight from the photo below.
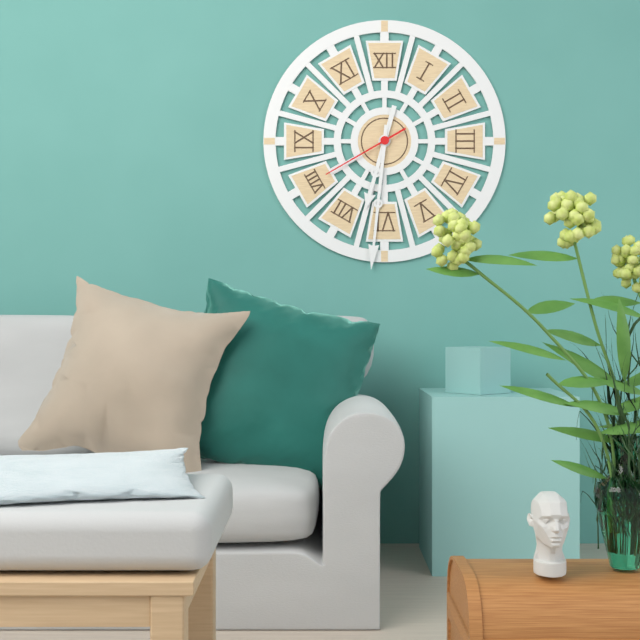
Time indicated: 6:31:40
